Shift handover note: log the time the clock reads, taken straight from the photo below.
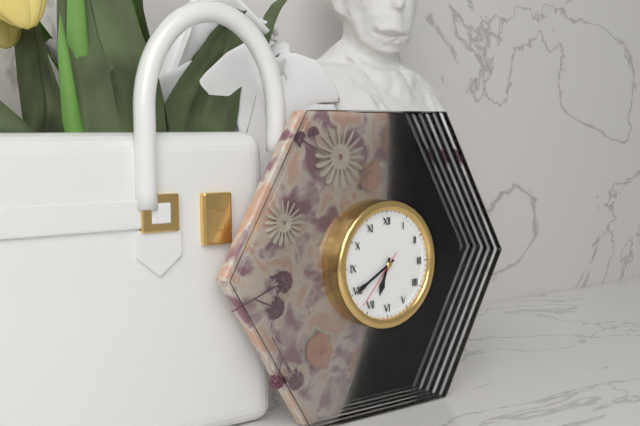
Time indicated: 6:40:37
